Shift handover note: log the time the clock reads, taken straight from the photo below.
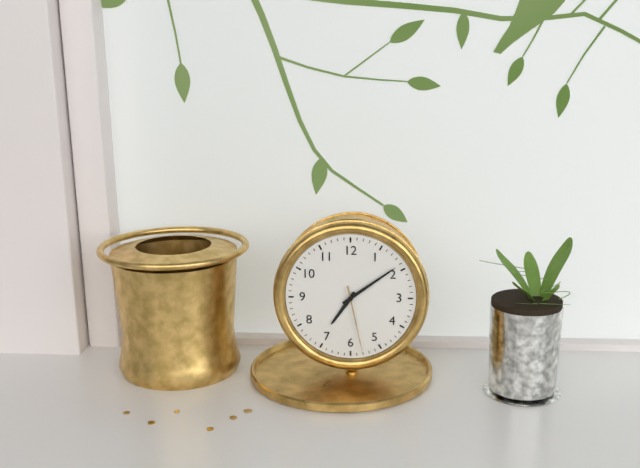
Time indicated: 7:09:28
